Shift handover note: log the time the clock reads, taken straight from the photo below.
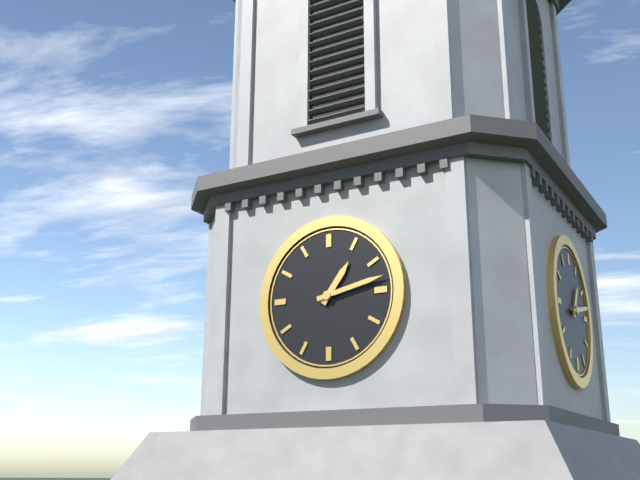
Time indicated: 1:13
